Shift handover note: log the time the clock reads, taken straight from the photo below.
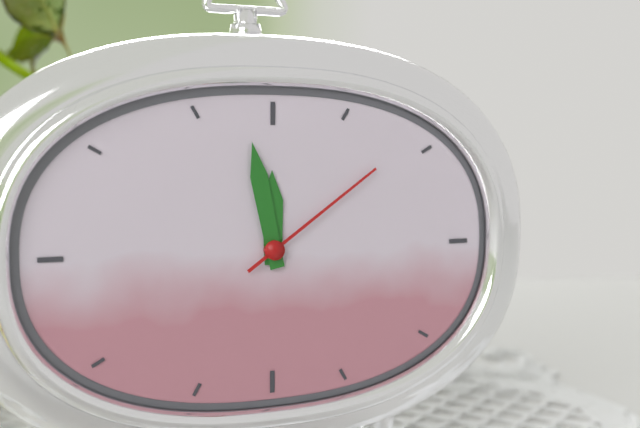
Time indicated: 11:58:09
